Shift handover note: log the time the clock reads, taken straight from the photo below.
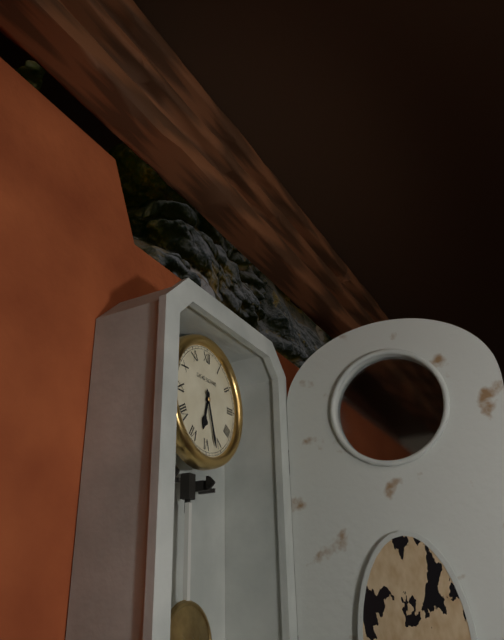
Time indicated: 6:27
